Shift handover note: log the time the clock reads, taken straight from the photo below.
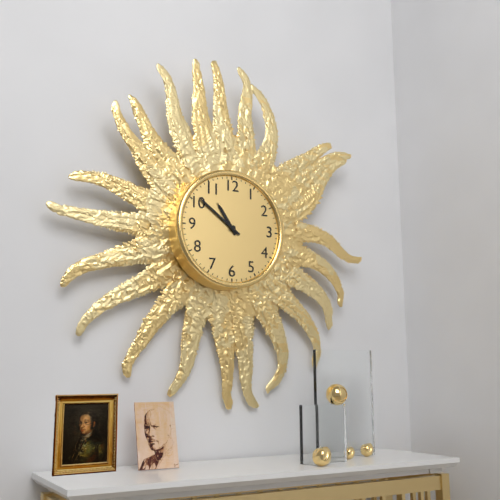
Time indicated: 10:51
